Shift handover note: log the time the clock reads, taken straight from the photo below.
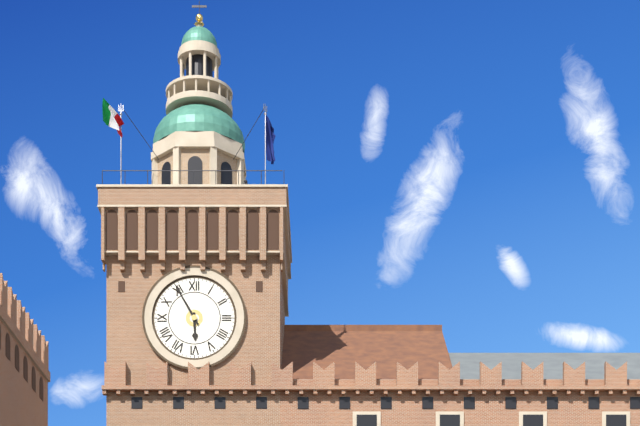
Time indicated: 5:55
